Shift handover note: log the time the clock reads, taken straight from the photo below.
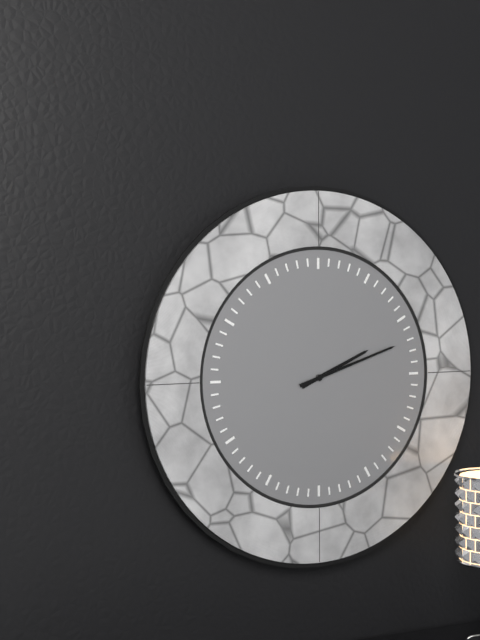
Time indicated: 2:12
